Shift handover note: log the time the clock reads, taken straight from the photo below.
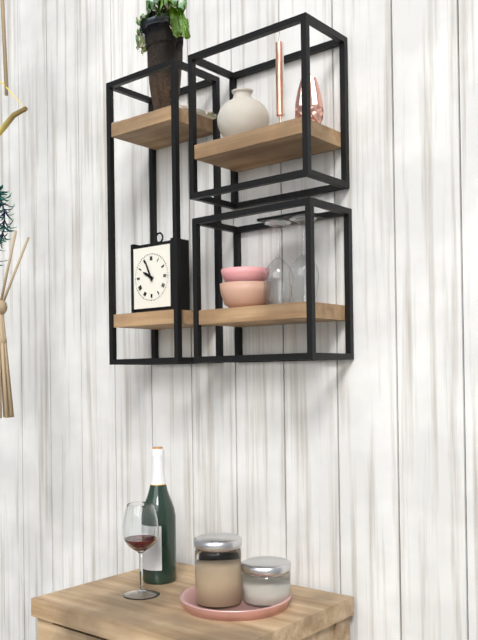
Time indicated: 9:56
